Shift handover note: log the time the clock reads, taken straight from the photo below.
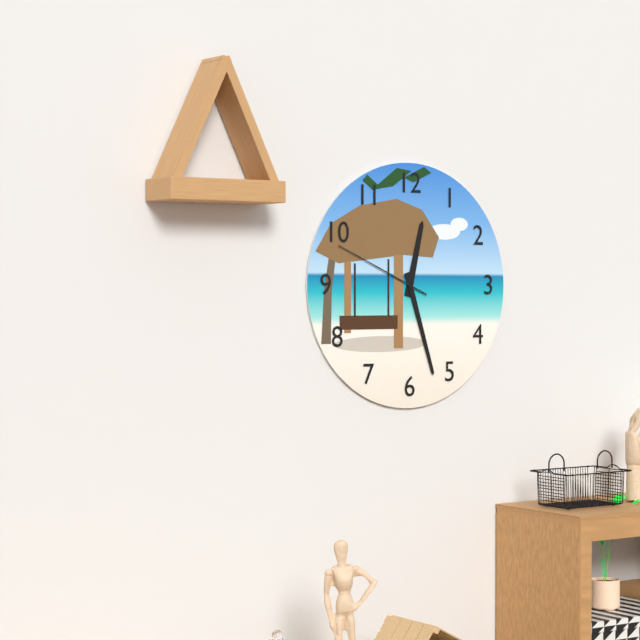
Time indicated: 12:27:49
